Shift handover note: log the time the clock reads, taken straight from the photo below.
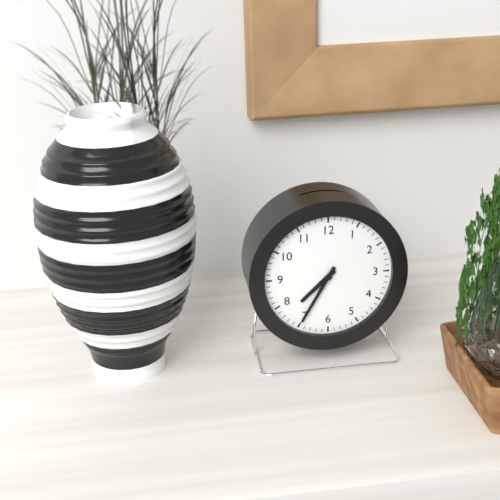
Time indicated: 7:35
